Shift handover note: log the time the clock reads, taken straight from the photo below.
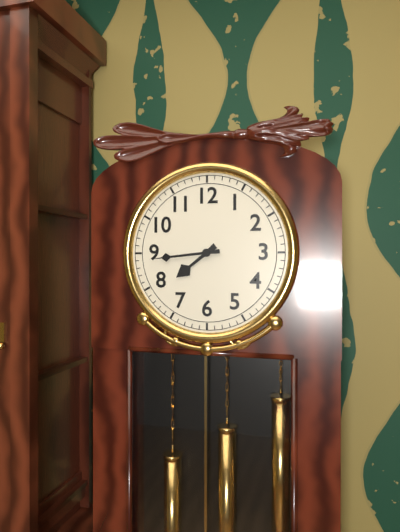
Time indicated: 7:44
